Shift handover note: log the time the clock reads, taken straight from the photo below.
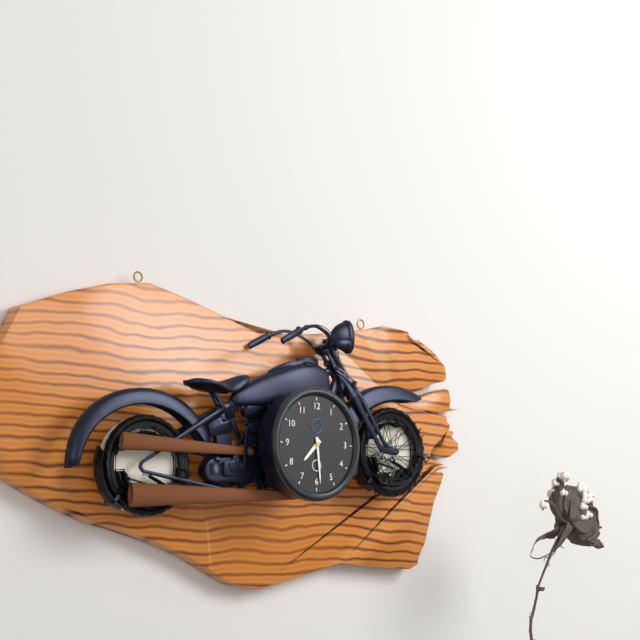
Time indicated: 7:29
